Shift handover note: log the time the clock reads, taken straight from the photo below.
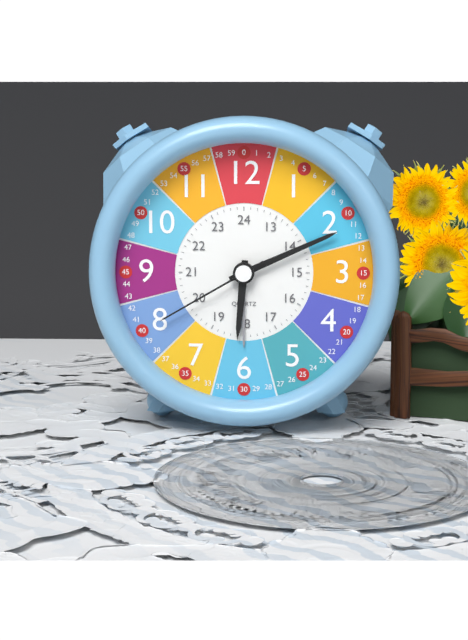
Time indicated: 6:11:40
